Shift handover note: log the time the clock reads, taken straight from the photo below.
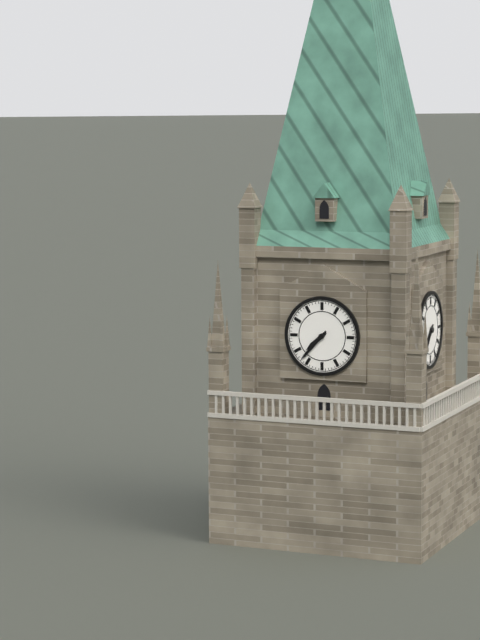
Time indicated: 7:37
